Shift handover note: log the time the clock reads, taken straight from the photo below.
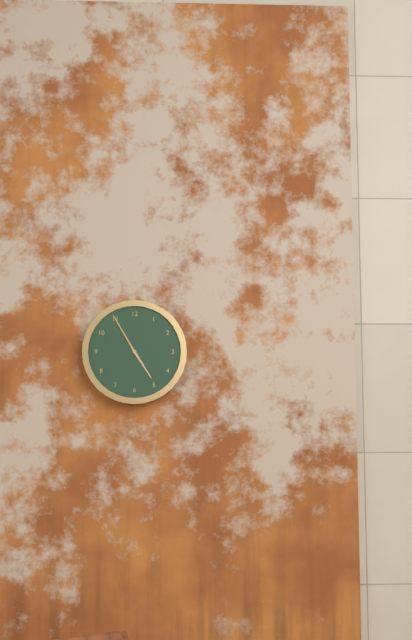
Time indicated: 4:55
